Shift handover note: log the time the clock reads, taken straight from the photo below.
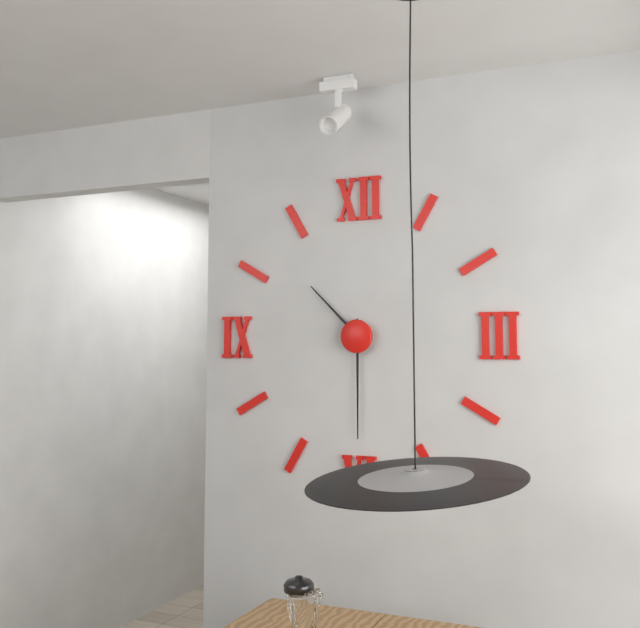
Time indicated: 10:30
